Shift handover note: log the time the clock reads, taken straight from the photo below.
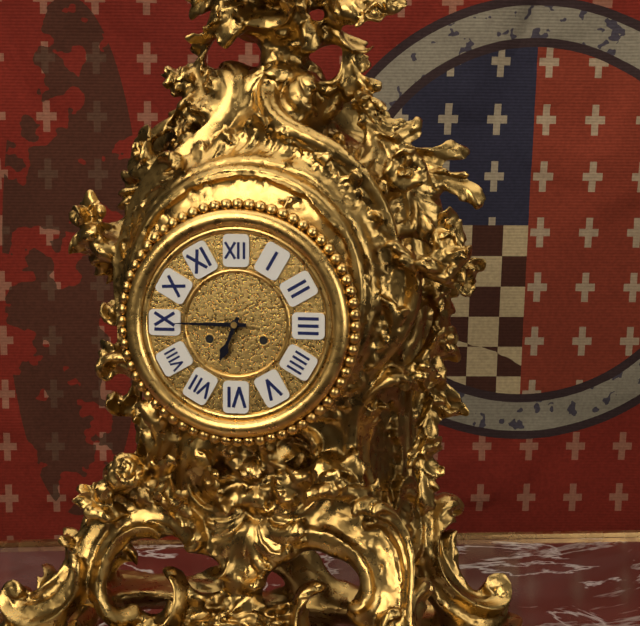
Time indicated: 6:45
